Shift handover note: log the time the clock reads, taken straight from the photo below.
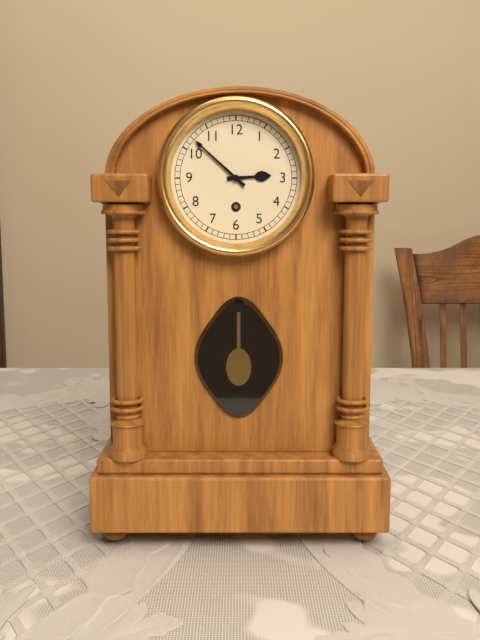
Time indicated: 2:52
